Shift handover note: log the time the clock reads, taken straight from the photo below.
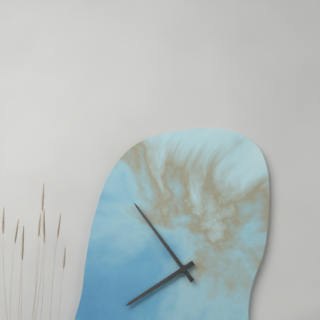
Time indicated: 7:54
